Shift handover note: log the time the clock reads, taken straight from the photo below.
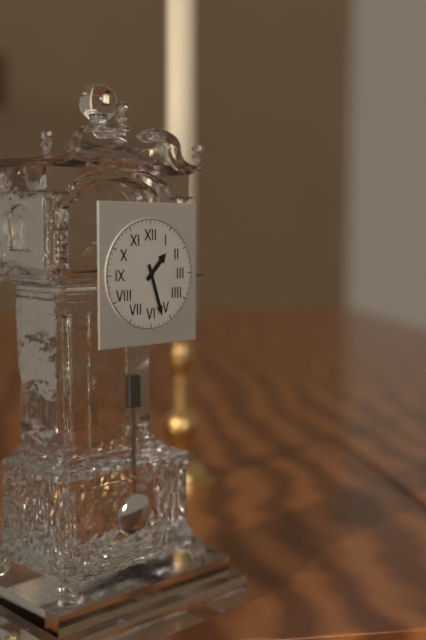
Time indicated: 1:27
